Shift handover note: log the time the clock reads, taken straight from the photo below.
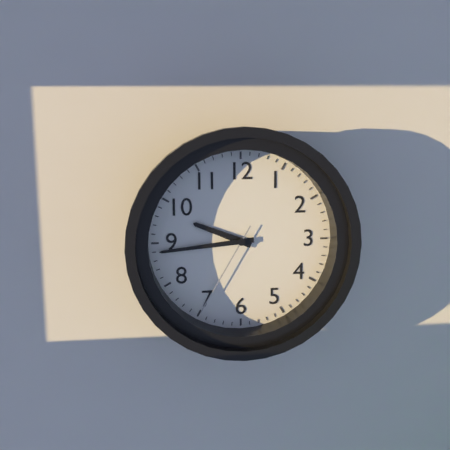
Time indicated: 9:44:35
